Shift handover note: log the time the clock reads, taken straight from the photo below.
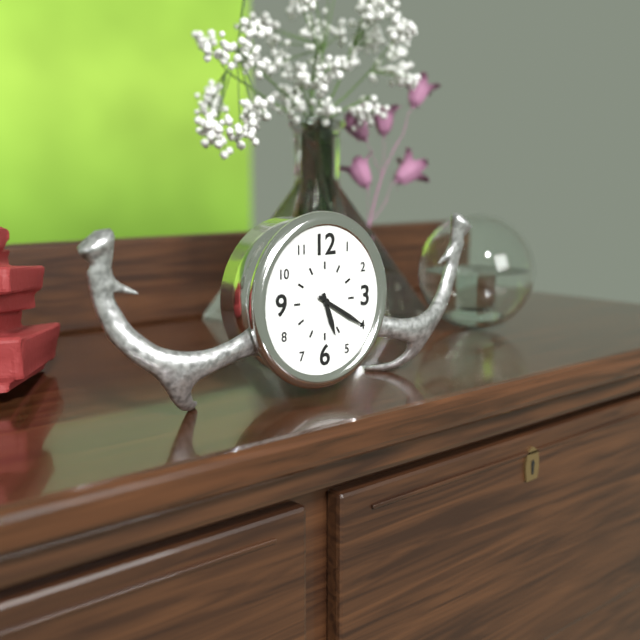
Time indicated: 5:20
